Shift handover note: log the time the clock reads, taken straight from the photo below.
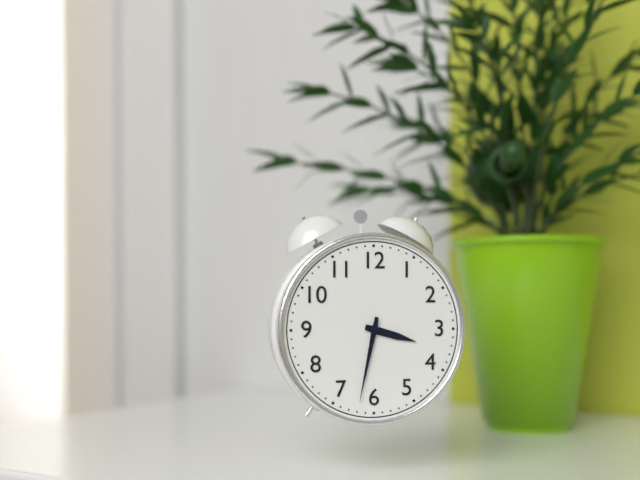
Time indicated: 3:32
